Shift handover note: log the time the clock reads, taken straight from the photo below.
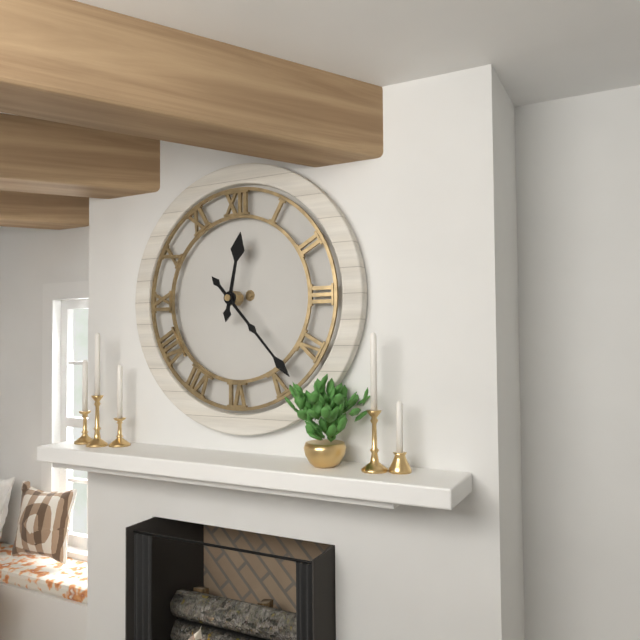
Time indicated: 12:23
